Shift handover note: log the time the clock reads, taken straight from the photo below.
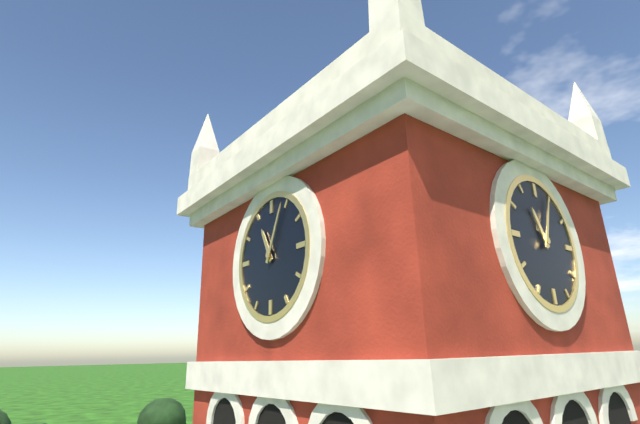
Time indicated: 11:04
